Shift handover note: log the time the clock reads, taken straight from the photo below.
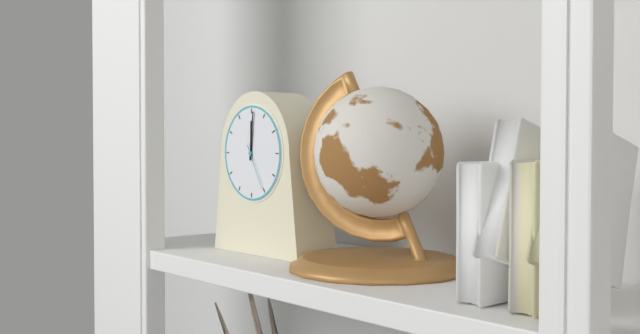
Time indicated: 12:01
